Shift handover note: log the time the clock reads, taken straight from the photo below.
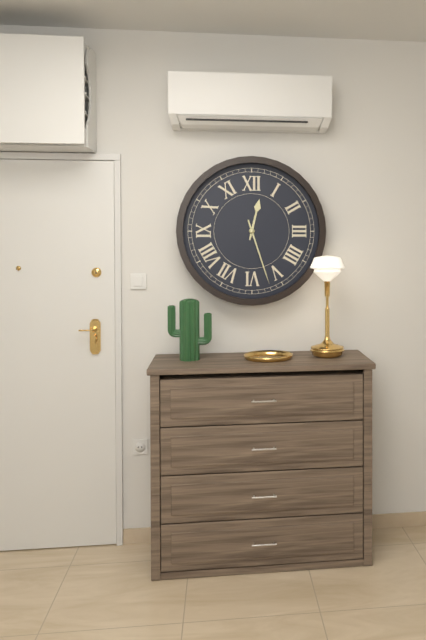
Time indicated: 12:27
